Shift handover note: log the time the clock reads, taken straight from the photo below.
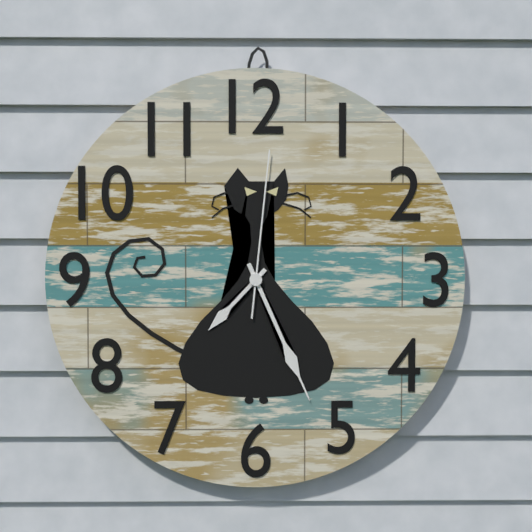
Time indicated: 7:26:01
